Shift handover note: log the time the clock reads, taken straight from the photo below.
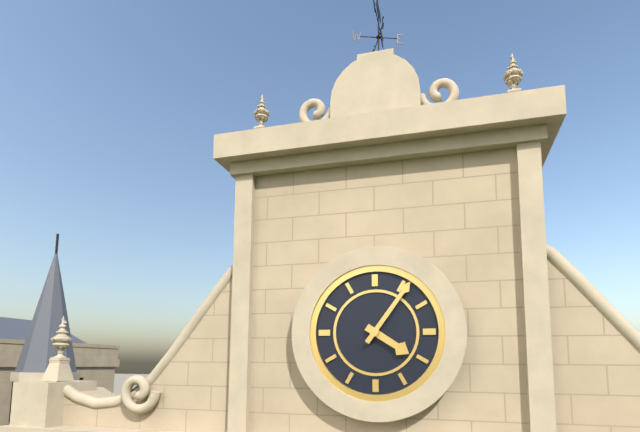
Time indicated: 4:06
